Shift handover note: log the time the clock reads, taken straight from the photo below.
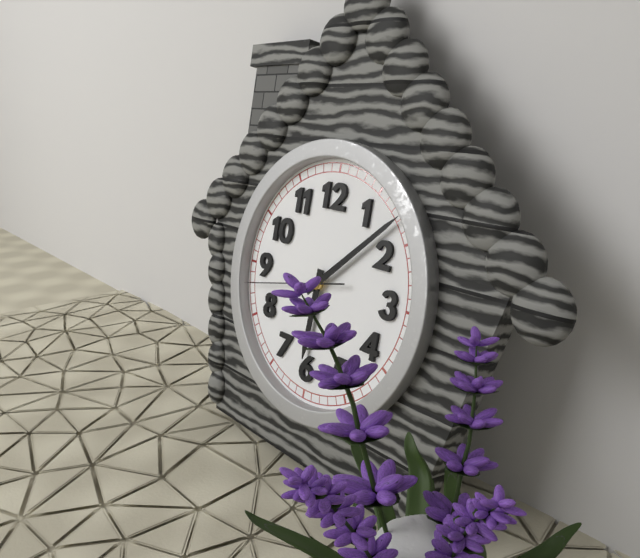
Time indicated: 6:08:43
